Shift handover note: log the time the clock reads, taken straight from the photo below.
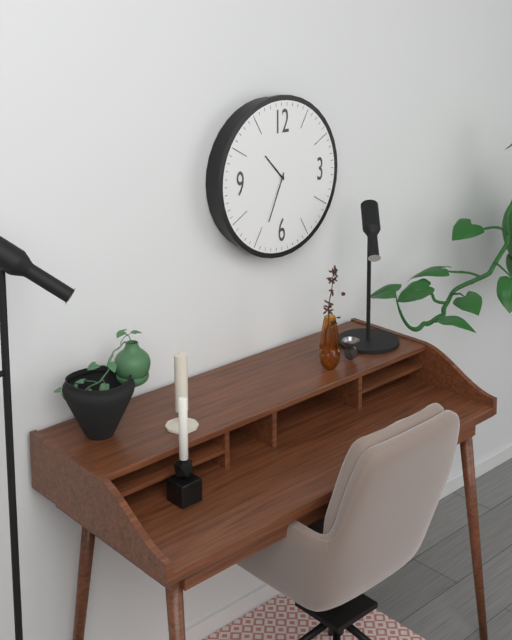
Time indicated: 10:34
